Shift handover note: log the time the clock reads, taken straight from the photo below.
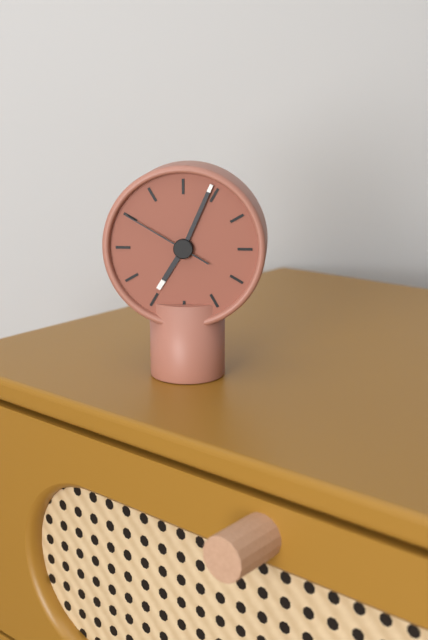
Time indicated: 7:04:50
